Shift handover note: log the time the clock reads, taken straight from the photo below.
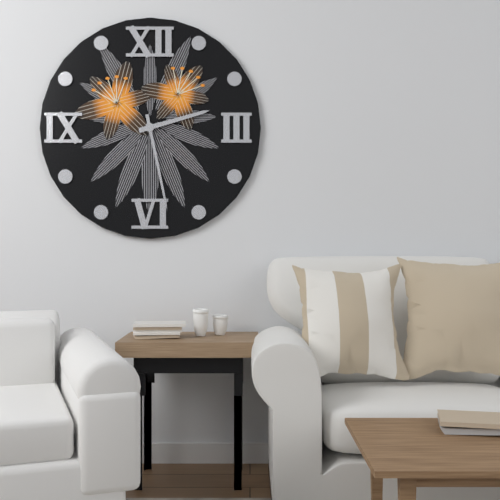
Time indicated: 2:28
